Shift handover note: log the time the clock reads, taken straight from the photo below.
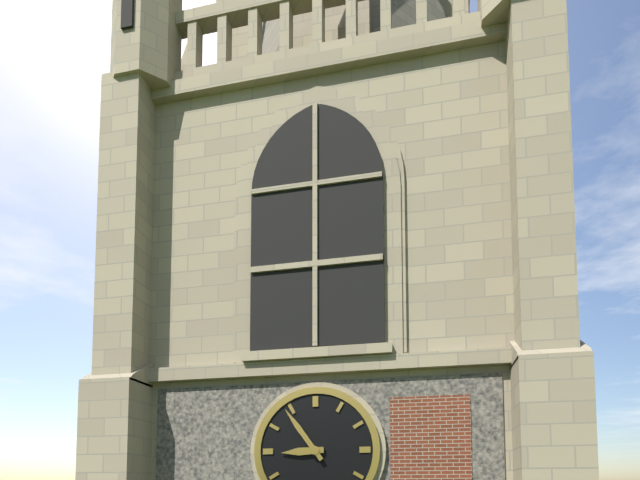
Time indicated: 8:54
